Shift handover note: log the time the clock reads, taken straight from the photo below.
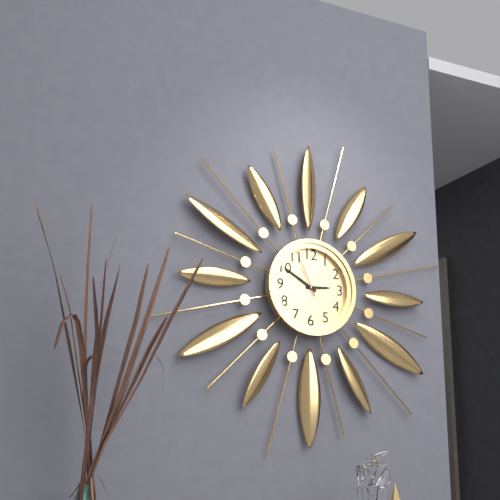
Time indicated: 2:50
